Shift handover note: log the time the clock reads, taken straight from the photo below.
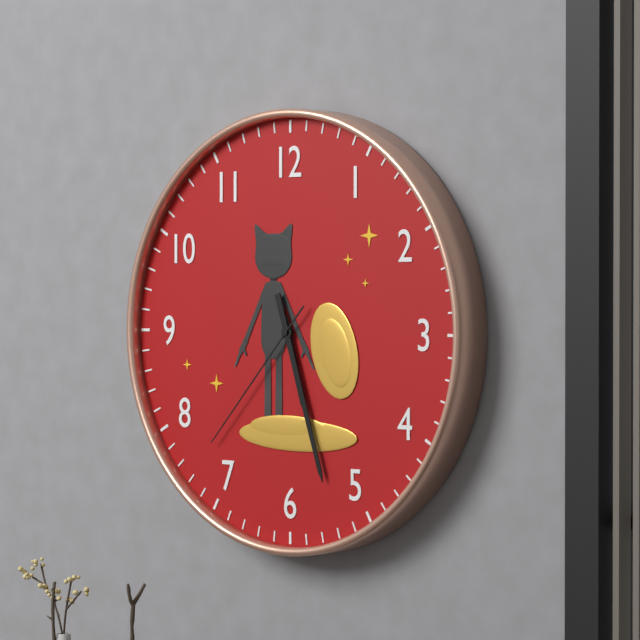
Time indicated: 5:27:37
